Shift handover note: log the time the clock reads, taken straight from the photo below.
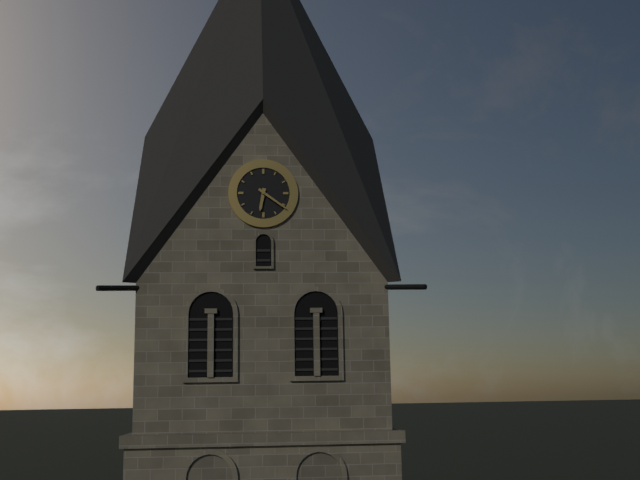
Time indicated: 6:21
